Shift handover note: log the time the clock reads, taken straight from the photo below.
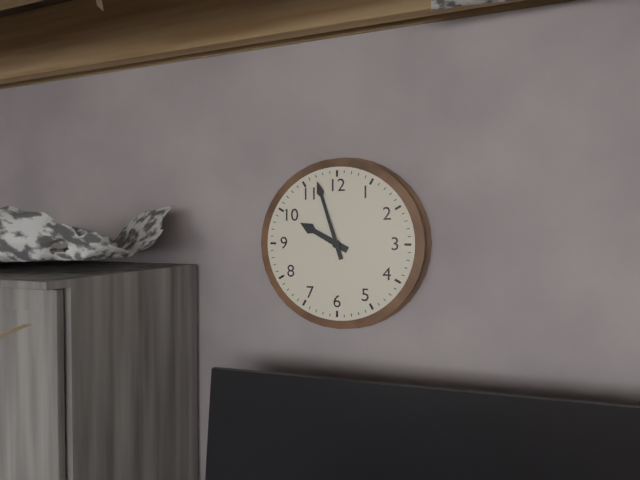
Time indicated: 9:57
